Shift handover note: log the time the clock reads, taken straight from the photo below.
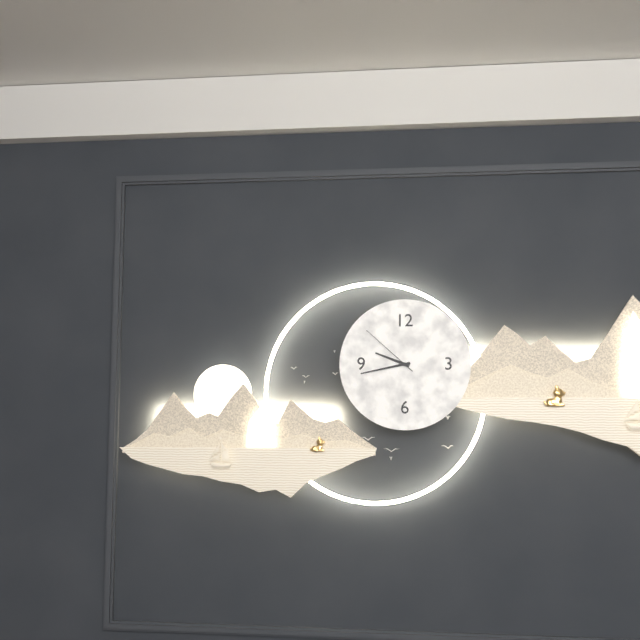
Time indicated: 9:43:52
